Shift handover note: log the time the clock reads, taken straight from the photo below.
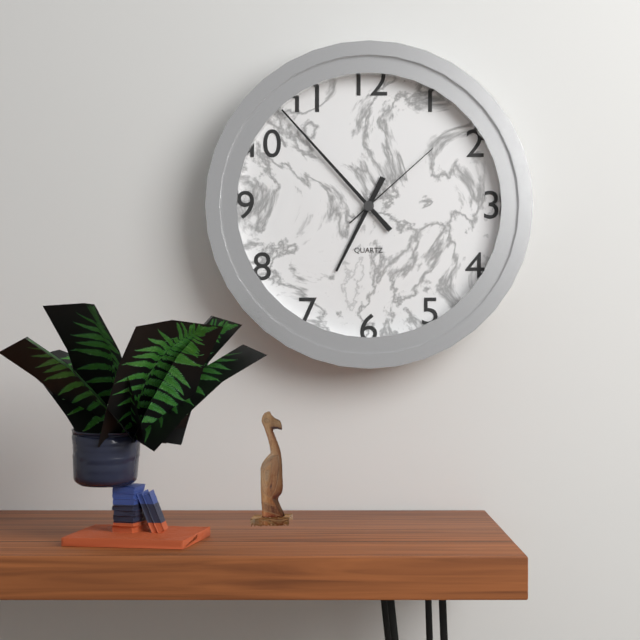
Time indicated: 6:53:08
